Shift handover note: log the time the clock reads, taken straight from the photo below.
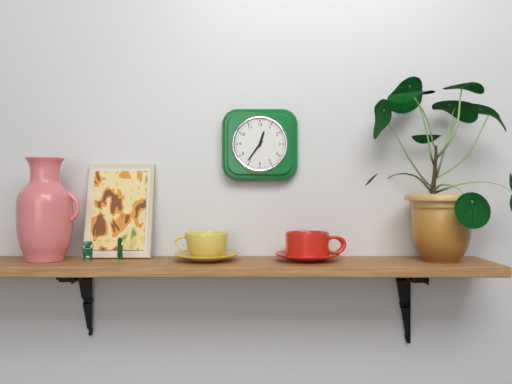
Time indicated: 12:36
